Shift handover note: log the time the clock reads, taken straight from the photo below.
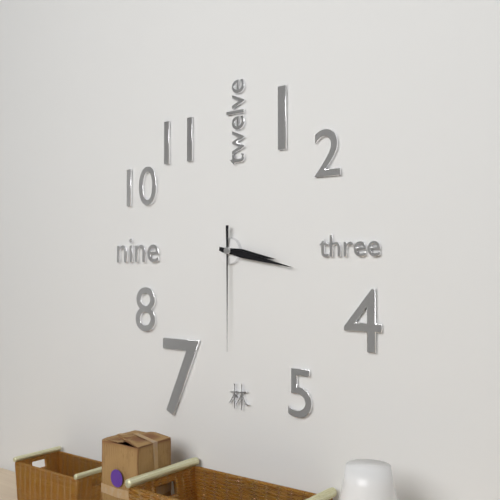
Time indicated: 3:17:30
